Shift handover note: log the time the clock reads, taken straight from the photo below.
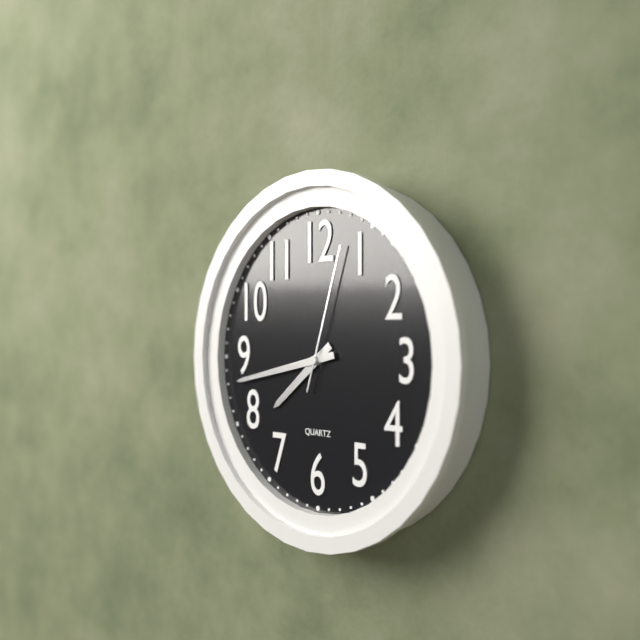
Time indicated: 7:43:03
